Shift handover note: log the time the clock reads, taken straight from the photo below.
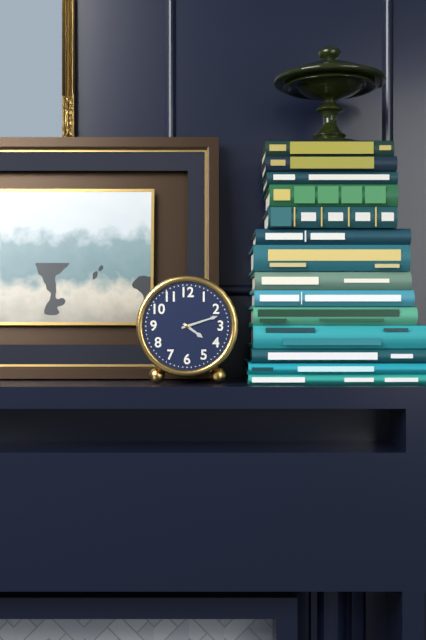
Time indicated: 4:12
